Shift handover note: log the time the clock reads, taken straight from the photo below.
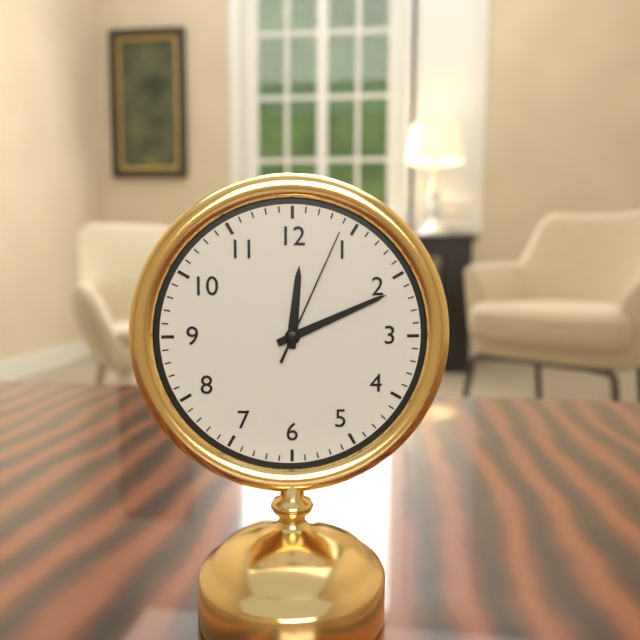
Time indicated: 12:11:04
